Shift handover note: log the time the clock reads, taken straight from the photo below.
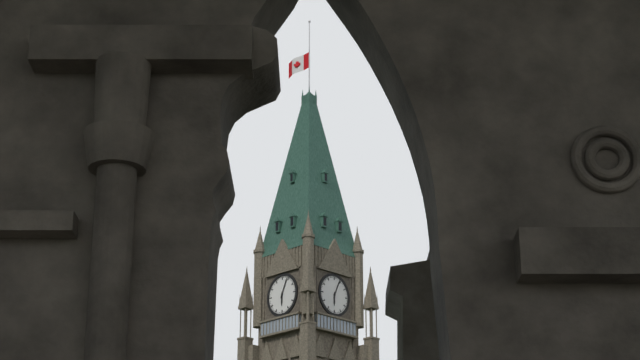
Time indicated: 6:04
